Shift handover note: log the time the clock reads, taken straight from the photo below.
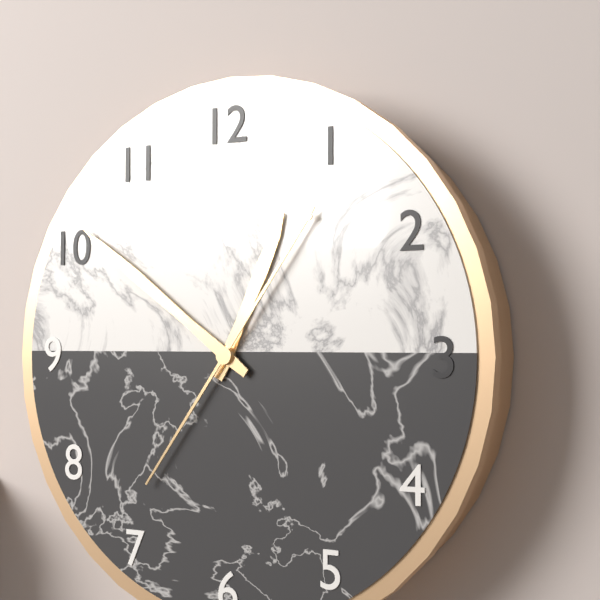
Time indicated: 12:51:06
